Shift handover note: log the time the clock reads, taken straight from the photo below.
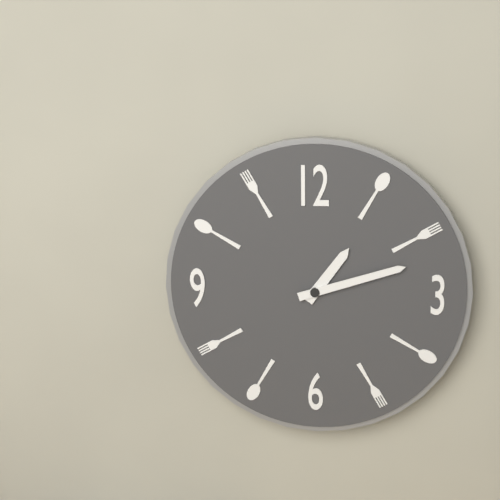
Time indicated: 1:12
